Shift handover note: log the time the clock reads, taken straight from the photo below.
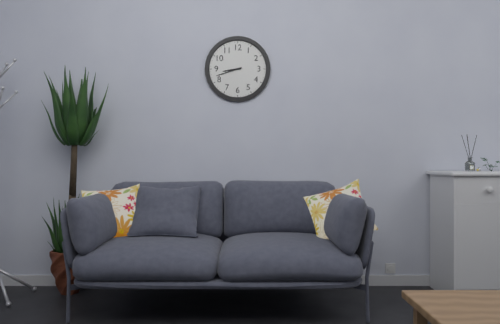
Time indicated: 8:42
